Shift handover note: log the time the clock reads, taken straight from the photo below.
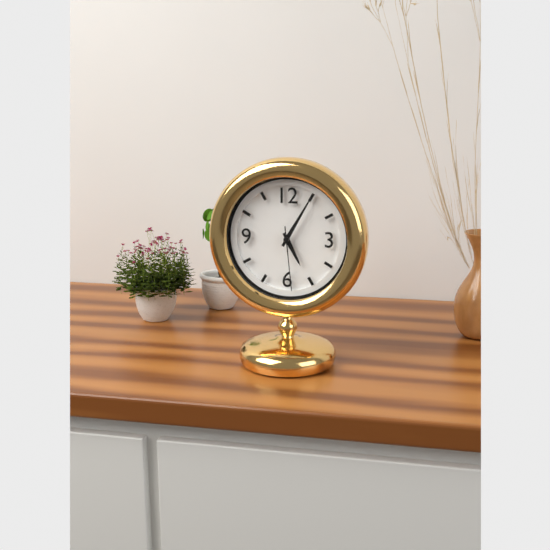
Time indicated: 5:05:29
